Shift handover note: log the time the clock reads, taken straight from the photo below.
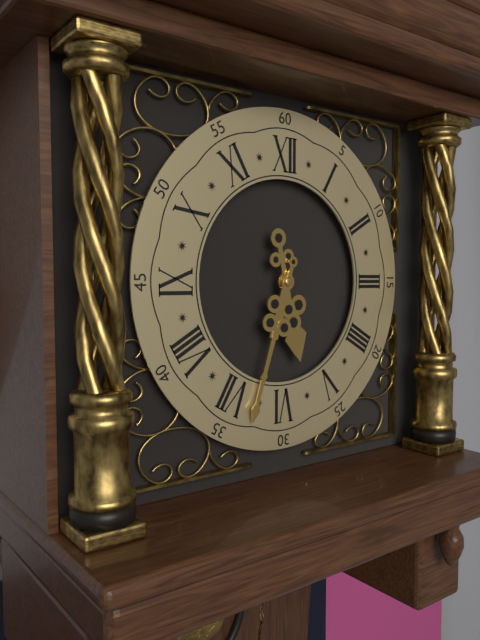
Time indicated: 5:33
